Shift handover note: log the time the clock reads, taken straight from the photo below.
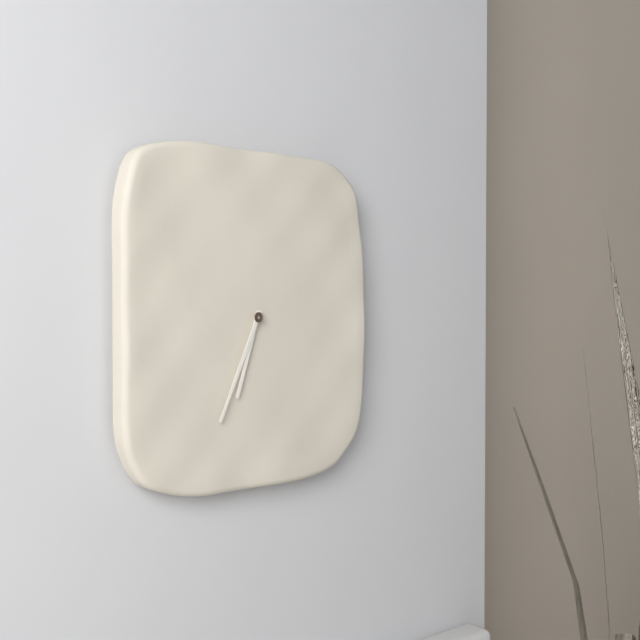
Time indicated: 6:34
